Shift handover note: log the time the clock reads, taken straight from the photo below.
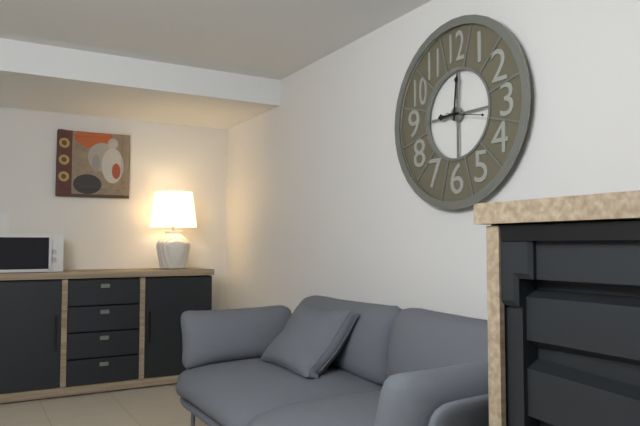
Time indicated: 9:01
